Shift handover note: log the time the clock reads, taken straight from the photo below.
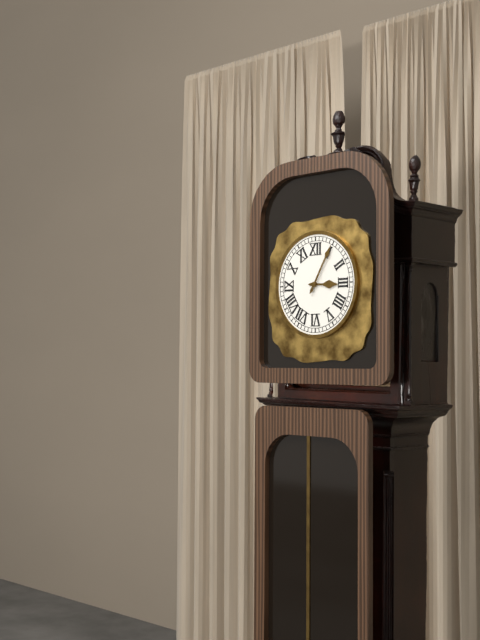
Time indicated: 3:05
